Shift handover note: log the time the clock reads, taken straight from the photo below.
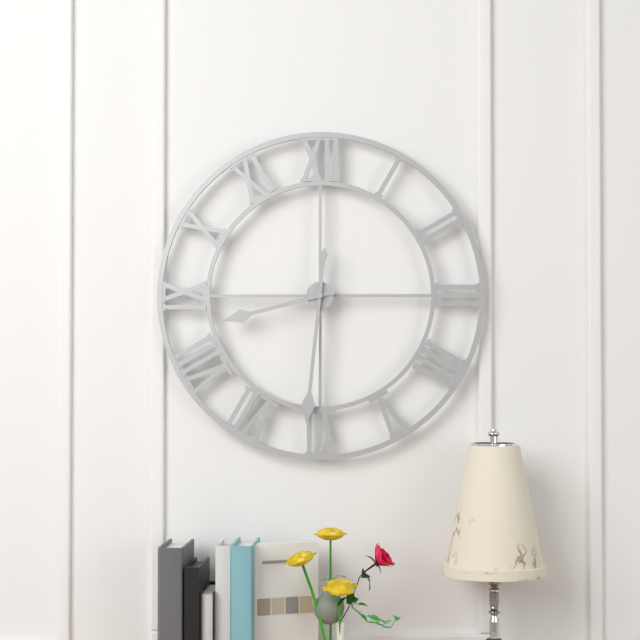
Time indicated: 8:31
